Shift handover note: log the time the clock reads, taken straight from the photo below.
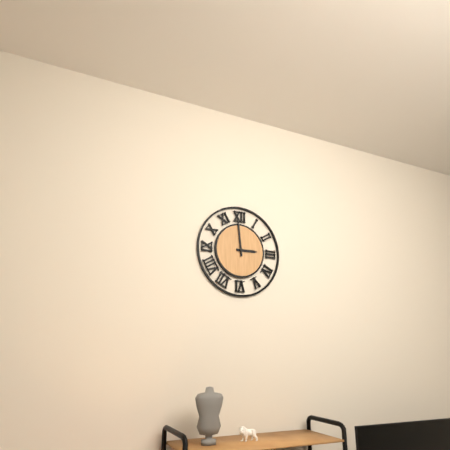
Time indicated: 2:59
